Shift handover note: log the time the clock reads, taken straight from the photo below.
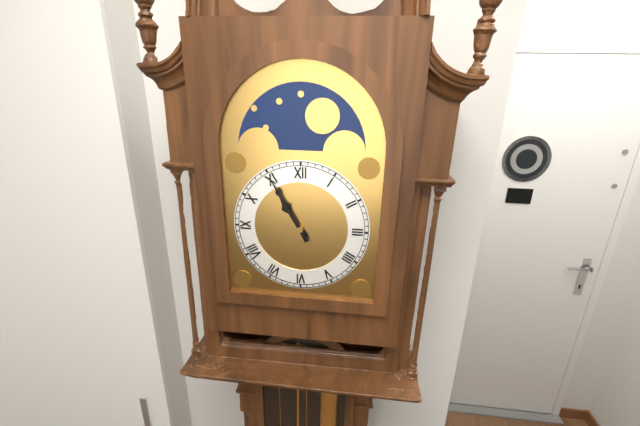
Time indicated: 10:55
